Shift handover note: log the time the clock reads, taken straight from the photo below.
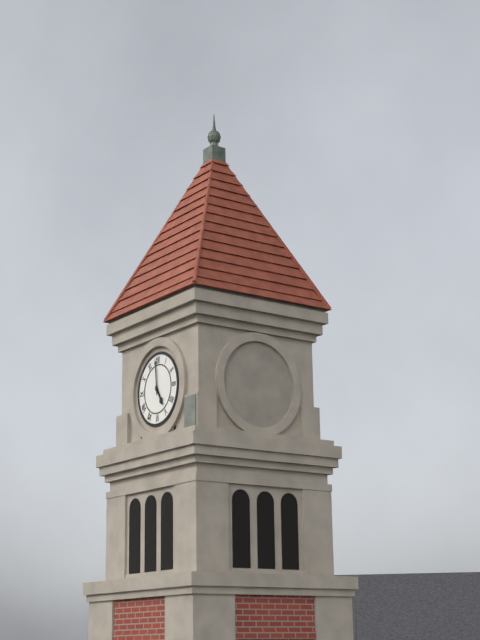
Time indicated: 4:59
